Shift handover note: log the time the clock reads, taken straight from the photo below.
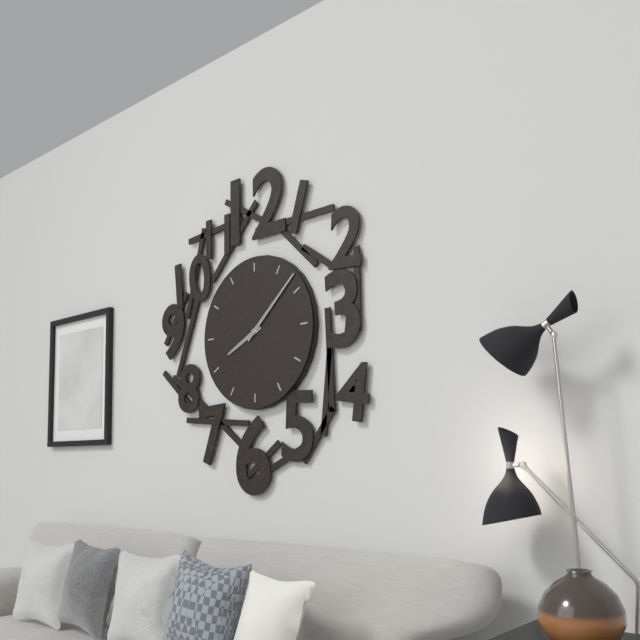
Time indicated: 8:08
